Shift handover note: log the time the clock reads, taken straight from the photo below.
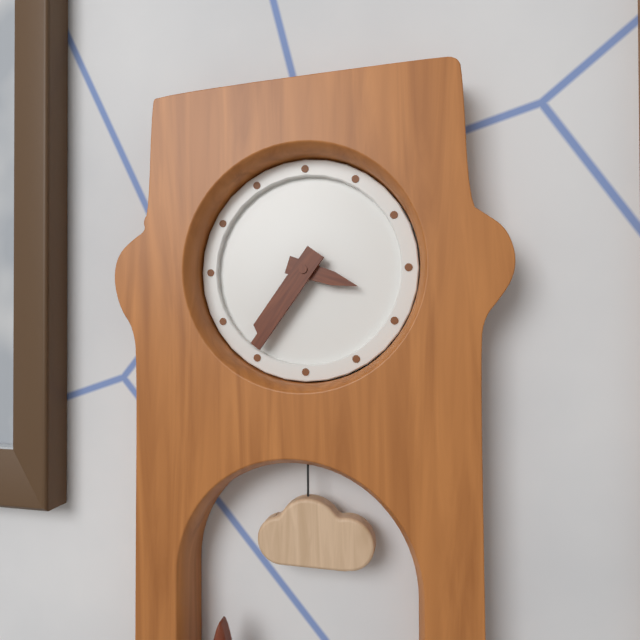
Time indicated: 3:36
